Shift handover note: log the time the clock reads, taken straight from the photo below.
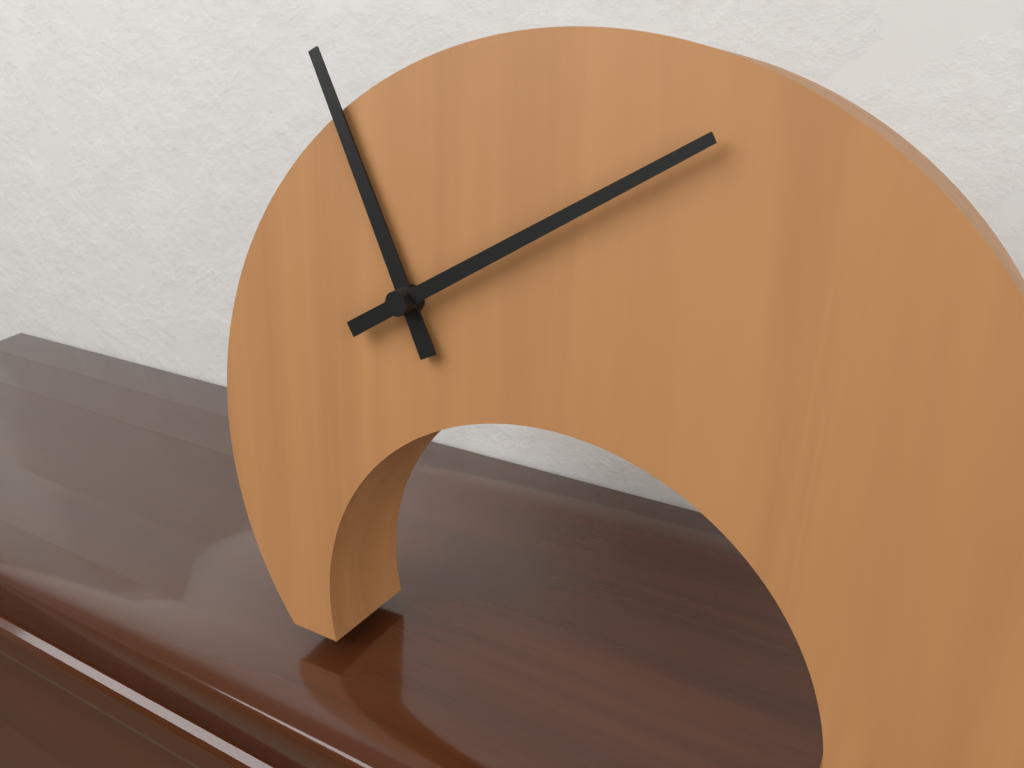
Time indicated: 11:10
